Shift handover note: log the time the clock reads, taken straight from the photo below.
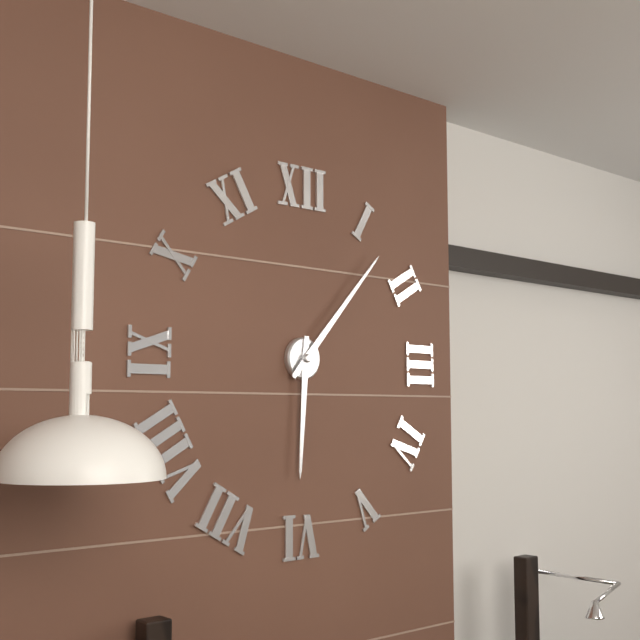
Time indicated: 6:07
